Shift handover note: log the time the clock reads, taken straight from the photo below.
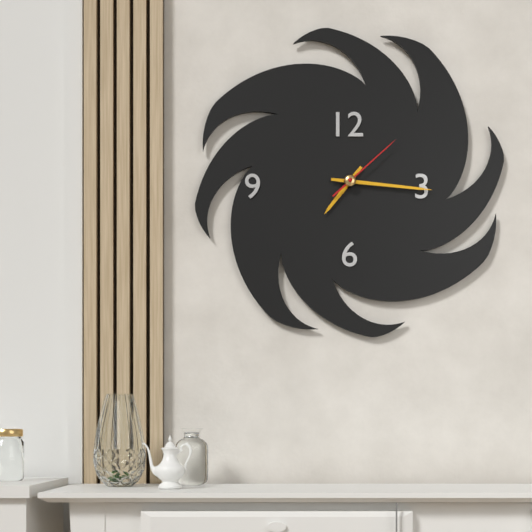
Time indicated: 7:16:08
